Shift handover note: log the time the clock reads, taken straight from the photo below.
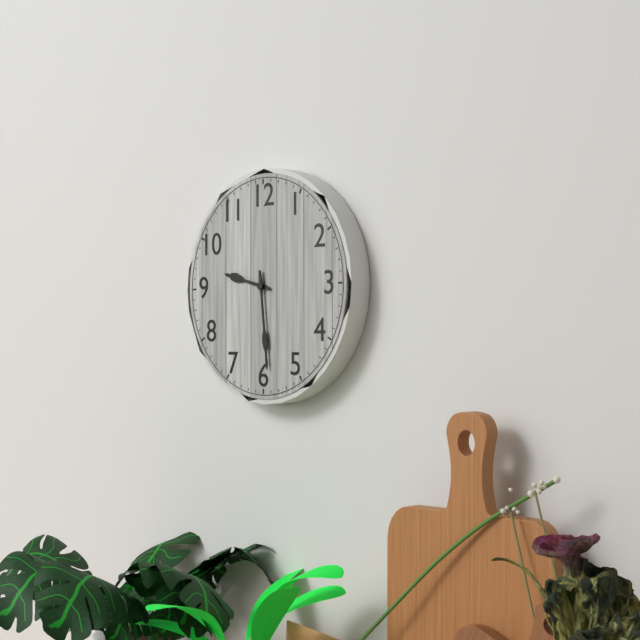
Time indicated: 9:29
